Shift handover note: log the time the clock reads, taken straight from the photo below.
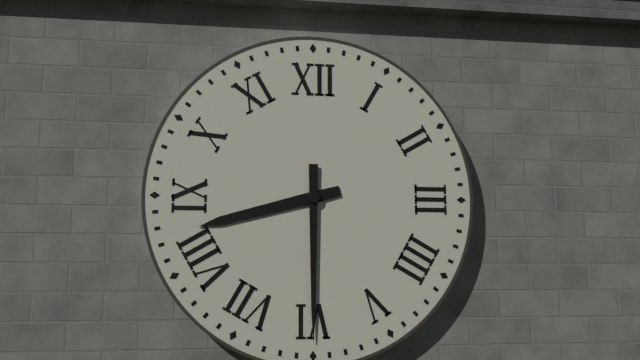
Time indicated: 8:30
